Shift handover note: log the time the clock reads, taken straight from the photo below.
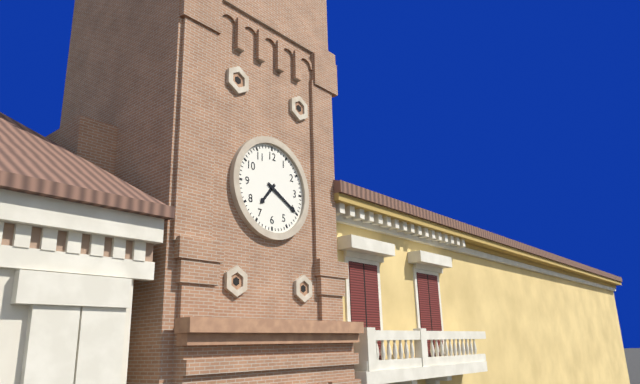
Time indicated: 7:20
